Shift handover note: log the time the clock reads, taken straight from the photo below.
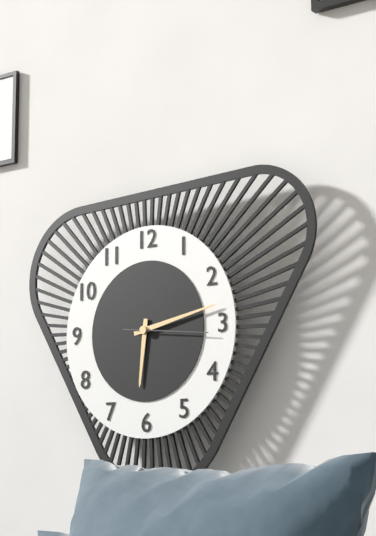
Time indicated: 6:13:16
